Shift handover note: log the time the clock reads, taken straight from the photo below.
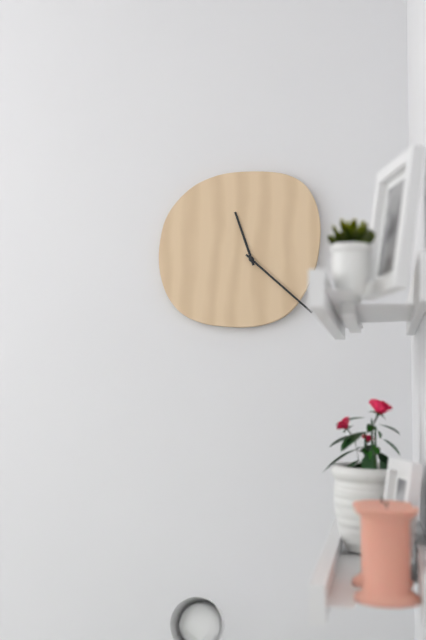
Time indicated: 11:22
